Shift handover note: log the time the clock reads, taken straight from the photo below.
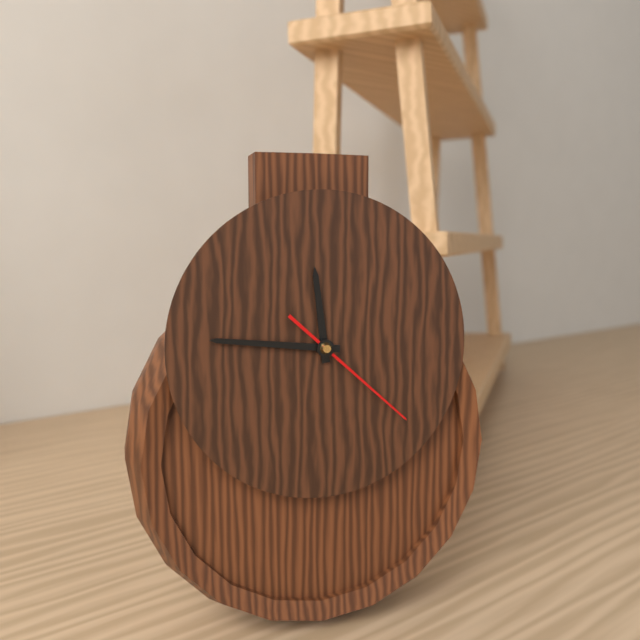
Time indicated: 11:46:22
